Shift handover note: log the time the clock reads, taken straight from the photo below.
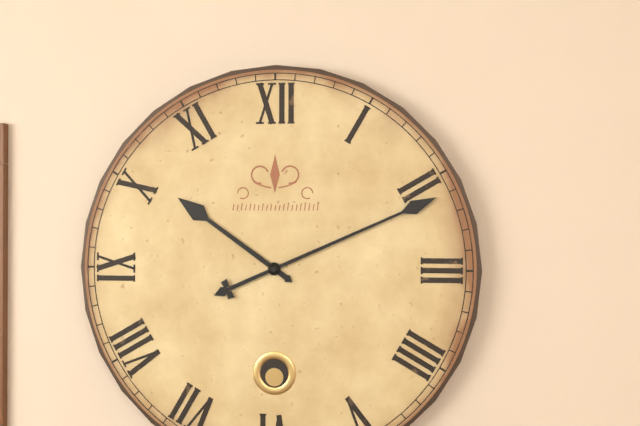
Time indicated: 10:11
